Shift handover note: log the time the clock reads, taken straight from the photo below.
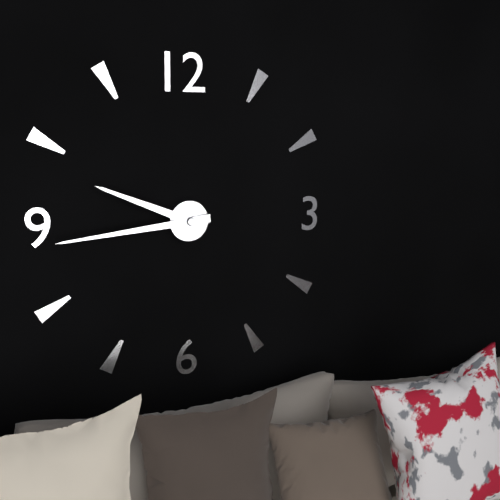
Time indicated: 9:44
